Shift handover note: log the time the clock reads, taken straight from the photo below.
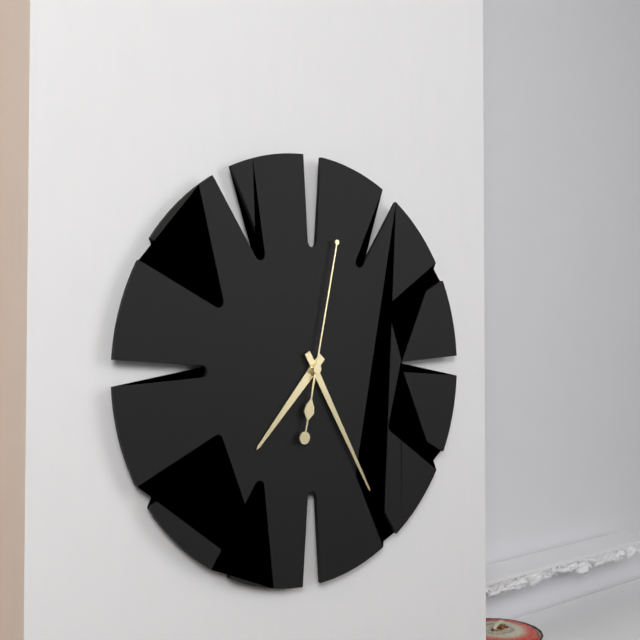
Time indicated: 7:25:02
